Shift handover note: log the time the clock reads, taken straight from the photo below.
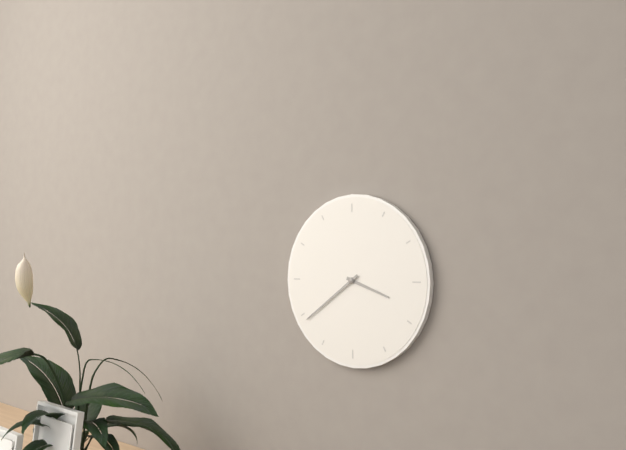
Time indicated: 3:39
